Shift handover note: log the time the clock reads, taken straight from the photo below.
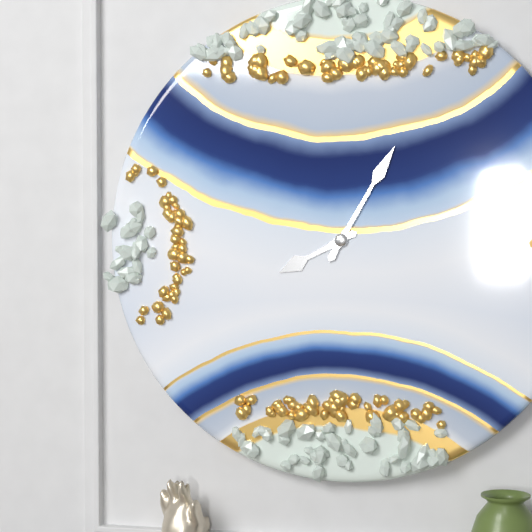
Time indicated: 8:05
